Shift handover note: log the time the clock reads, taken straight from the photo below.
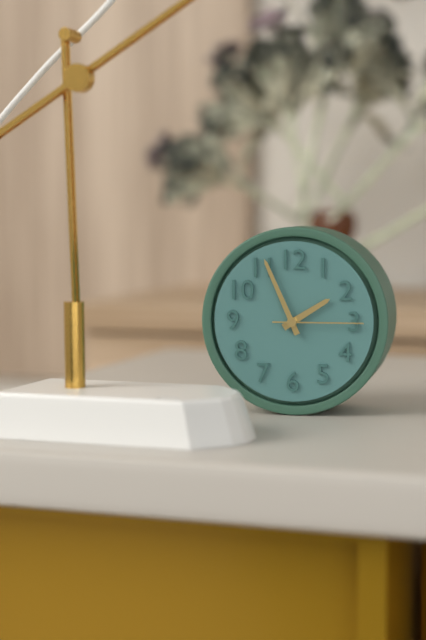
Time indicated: 1:56:15
